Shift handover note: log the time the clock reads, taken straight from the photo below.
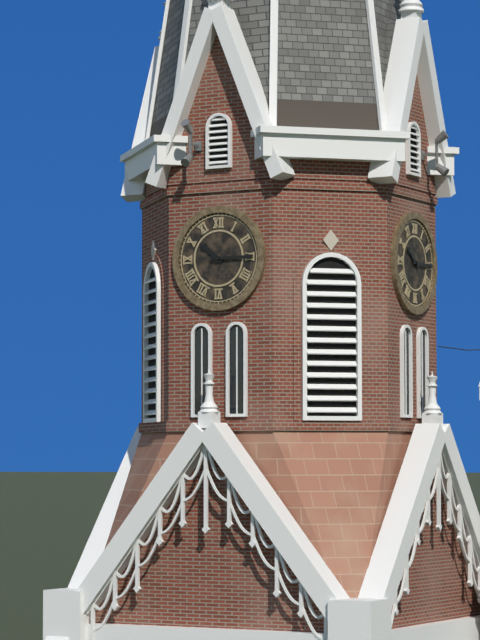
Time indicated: 10:15
